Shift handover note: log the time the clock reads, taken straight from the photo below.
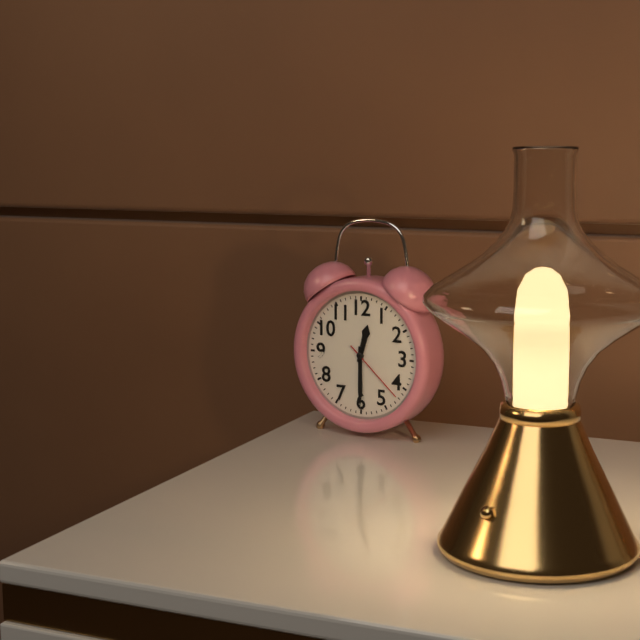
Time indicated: 12:30:22
